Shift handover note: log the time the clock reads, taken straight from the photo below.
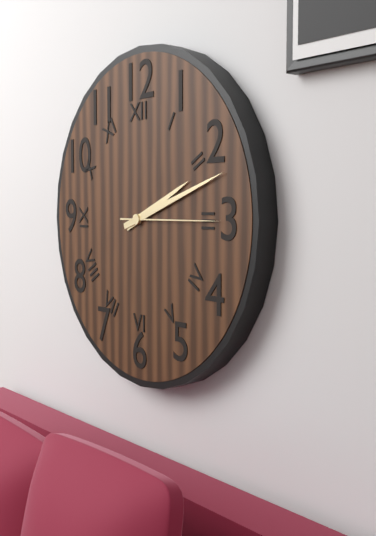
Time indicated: 2:12:15
